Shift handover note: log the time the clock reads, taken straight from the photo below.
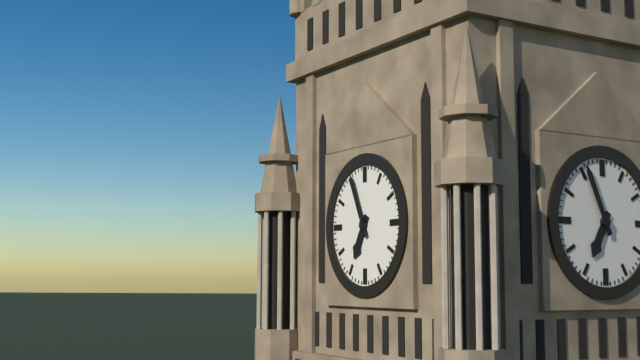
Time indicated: 6:56
